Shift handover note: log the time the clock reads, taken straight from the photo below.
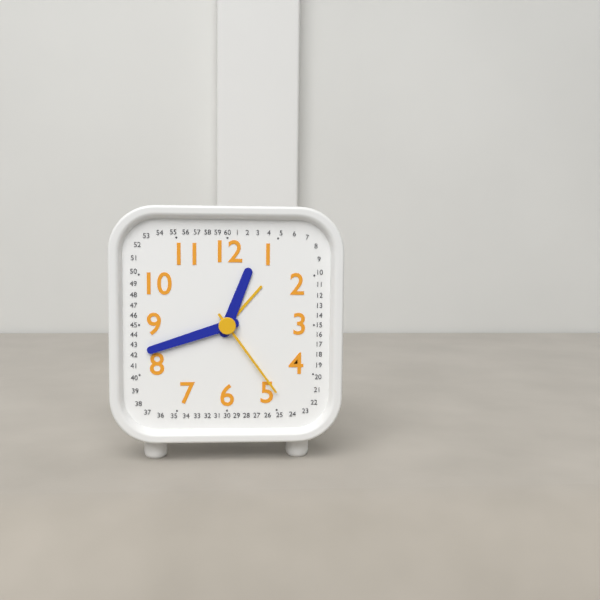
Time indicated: 12:42:24
